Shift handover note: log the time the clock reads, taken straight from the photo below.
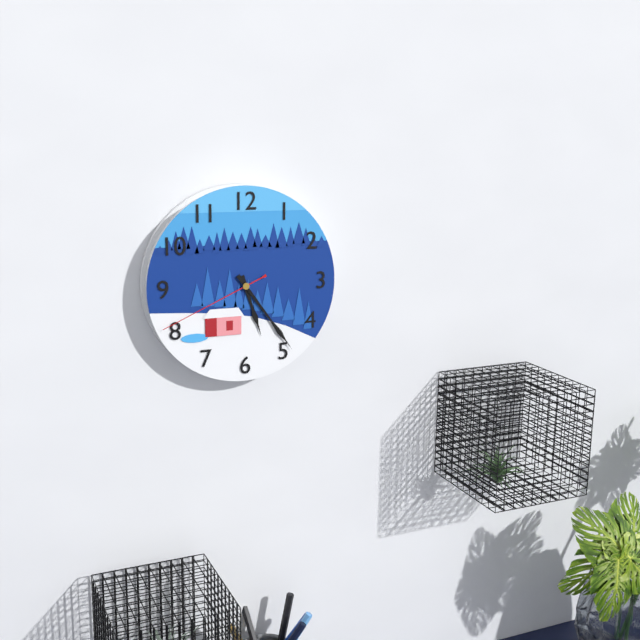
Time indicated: 5:24:41
